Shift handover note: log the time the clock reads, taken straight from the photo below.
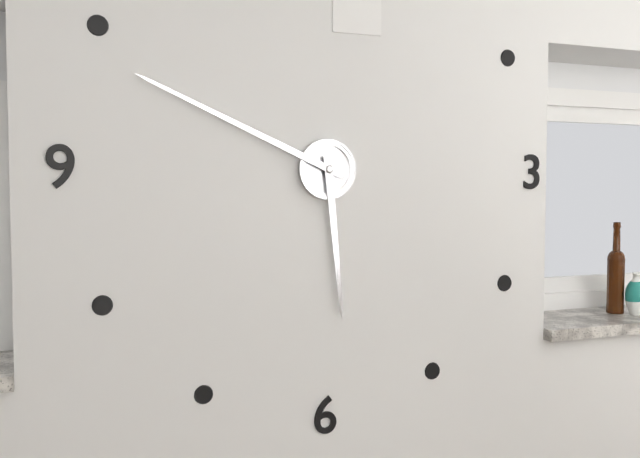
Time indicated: 5:49
